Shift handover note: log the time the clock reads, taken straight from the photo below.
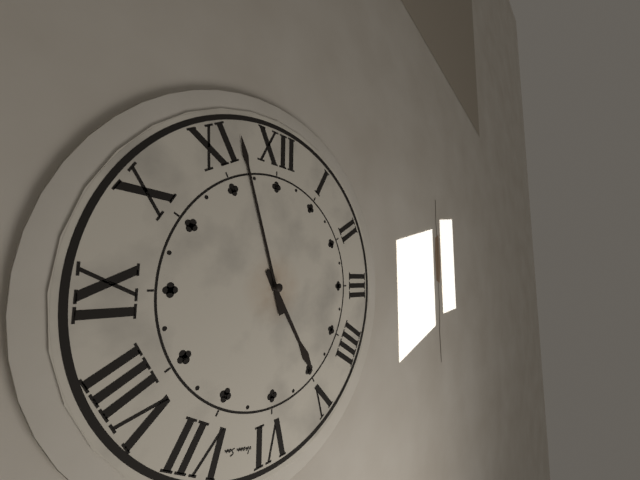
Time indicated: 4:57
